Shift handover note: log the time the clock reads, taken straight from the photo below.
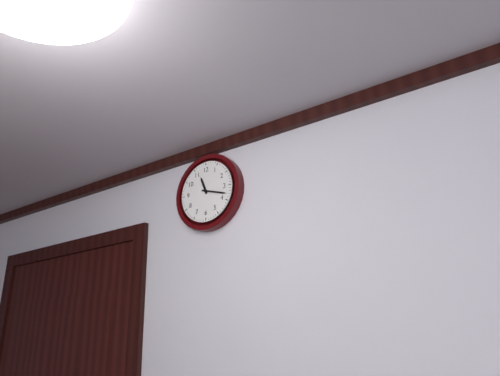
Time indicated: 11:18
